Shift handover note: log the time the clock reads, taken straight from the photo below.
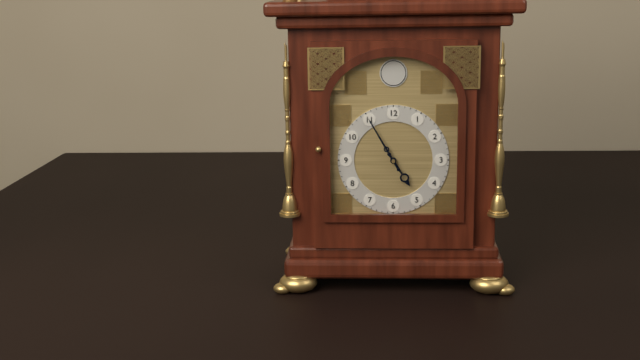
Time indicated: 4:55
